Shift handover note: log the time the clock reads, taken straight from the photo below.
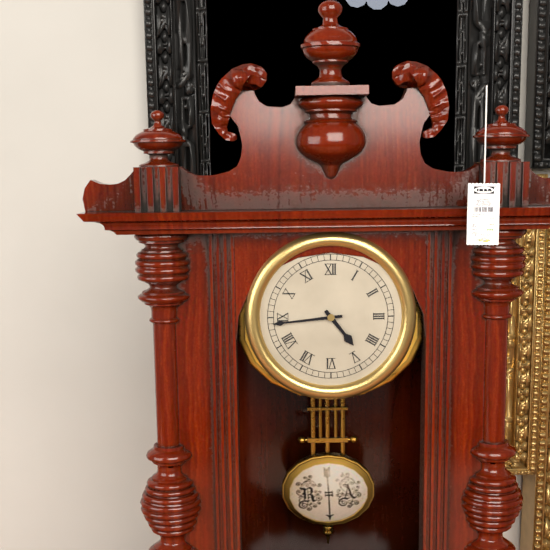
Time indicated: 4:44
